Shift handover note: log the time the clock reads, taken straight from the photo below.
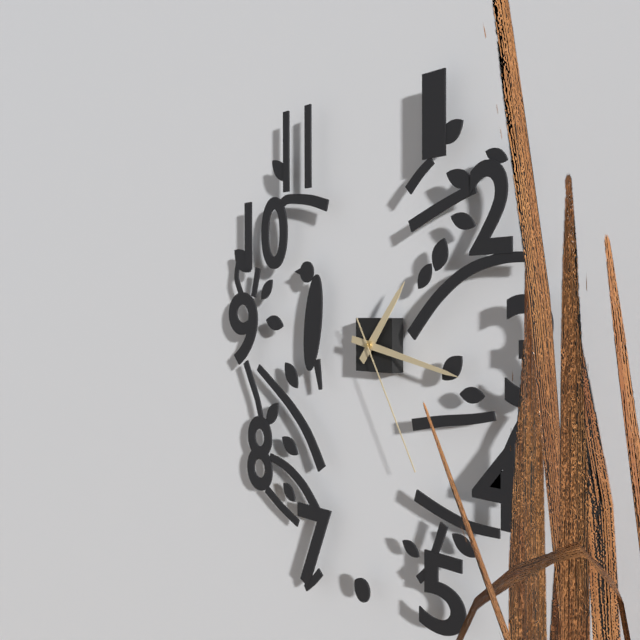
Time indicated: 1:17:25
